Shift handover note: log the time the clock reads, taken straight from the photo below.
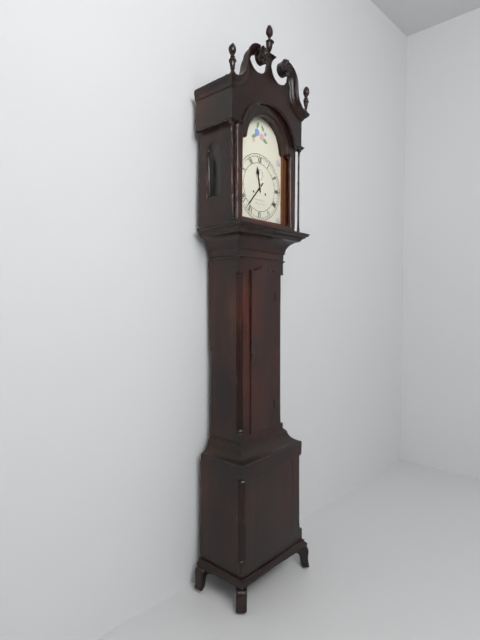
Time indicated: 11:37
